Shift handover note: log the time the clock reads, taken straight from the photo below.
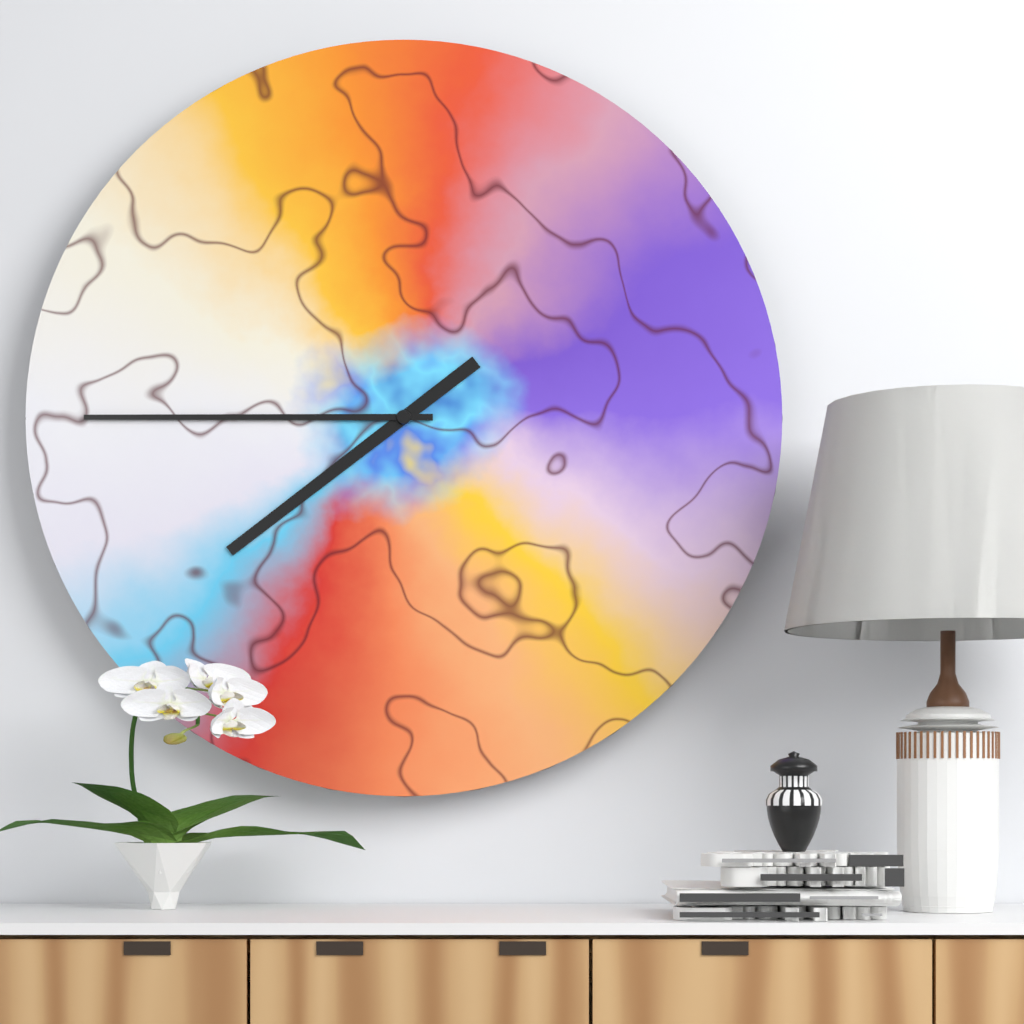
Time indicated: 7:45
